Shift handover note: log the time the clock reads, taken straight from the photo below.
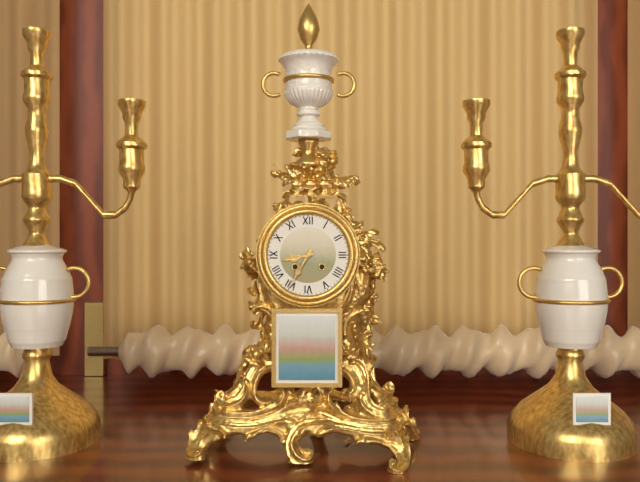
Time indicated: 8:35
